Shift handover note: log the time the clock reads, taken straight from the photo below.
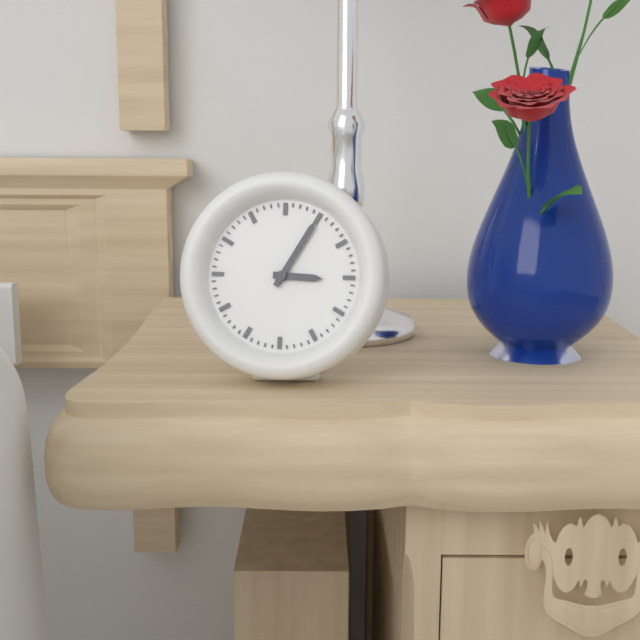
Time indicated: 3:05
